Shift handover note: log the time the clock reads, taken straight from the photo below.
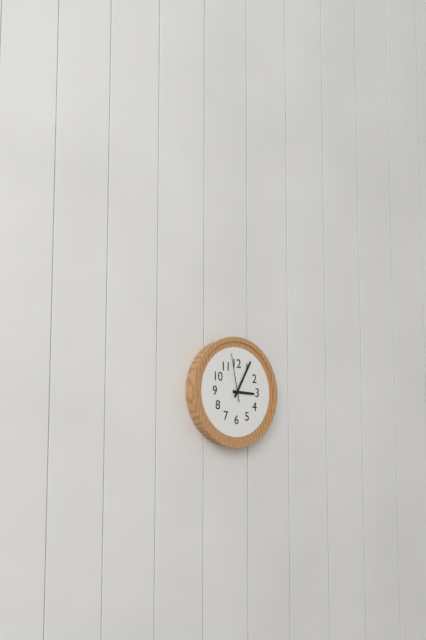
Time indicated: 3:05
